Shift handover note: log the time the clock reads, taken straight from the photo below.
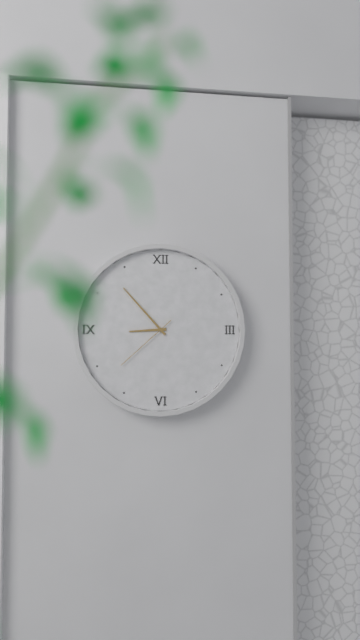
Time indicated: 8:53:38
